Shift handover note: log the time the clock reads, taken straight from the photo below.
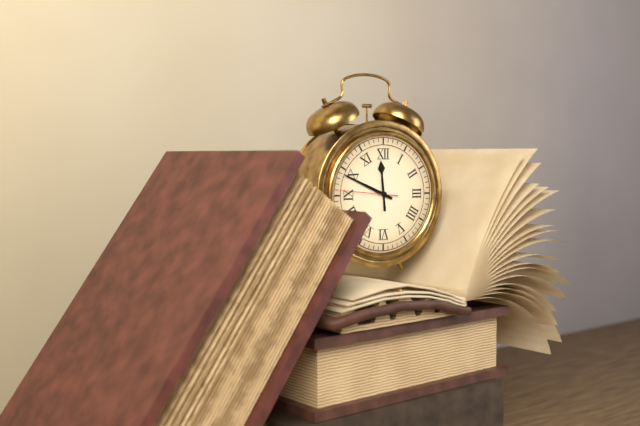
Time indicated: 11:49:46
